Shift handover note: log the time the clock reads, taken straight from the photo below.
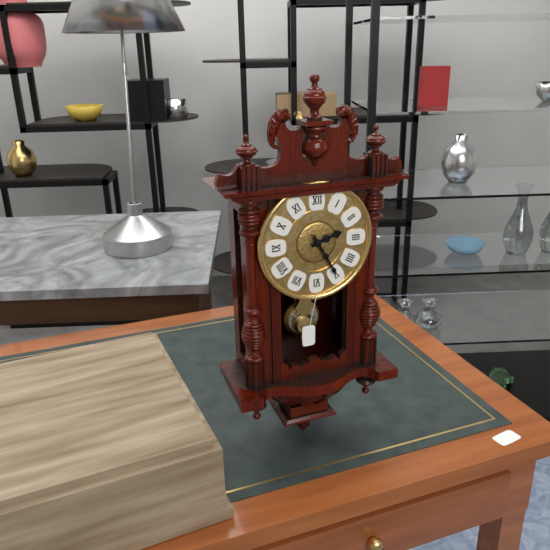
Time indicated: 2:25
